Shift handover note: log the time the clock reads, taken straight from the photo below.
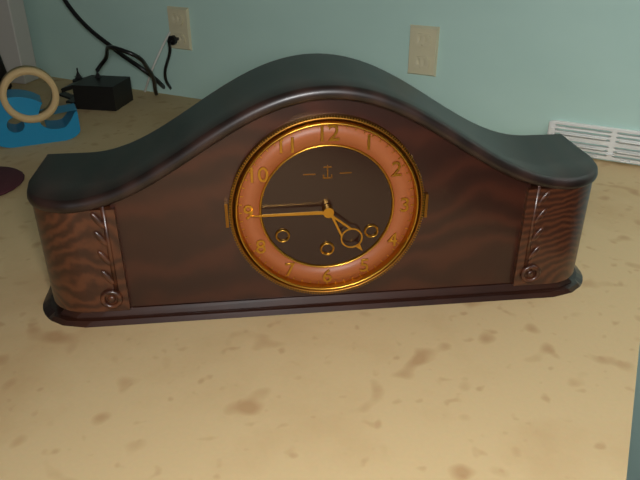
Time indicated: 4:45
